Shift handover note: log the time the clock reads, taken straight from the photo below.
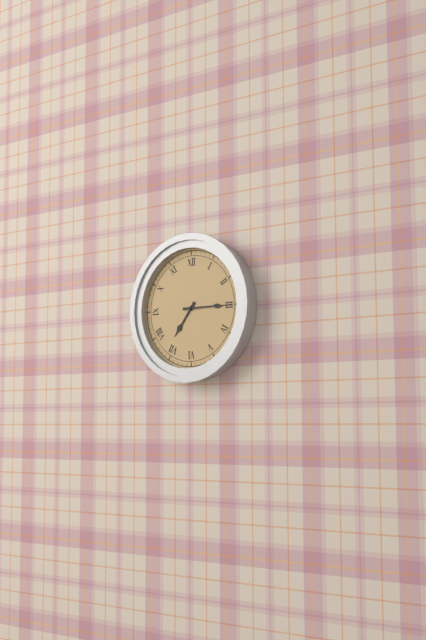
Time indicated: 7:15
